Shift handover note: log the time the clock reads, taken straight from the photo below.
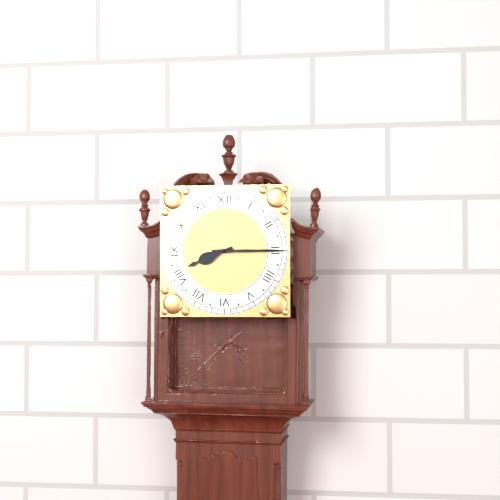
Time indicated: 8:15
